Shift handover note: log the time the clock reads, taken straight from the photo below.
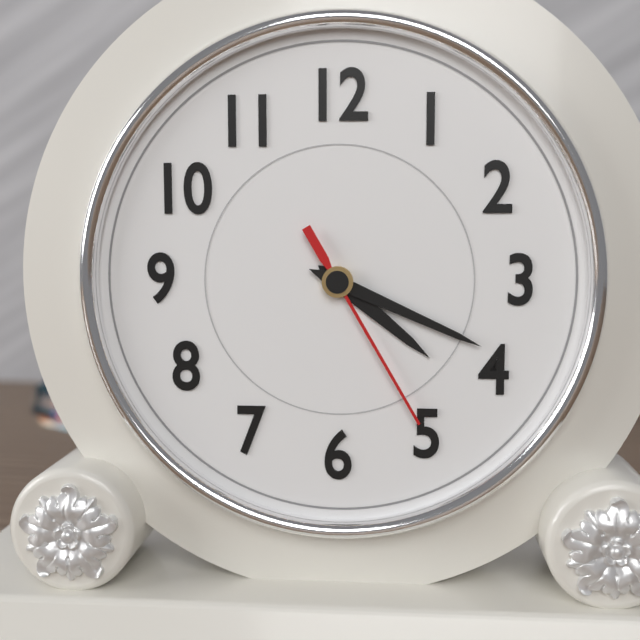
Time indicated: 4:19:25
